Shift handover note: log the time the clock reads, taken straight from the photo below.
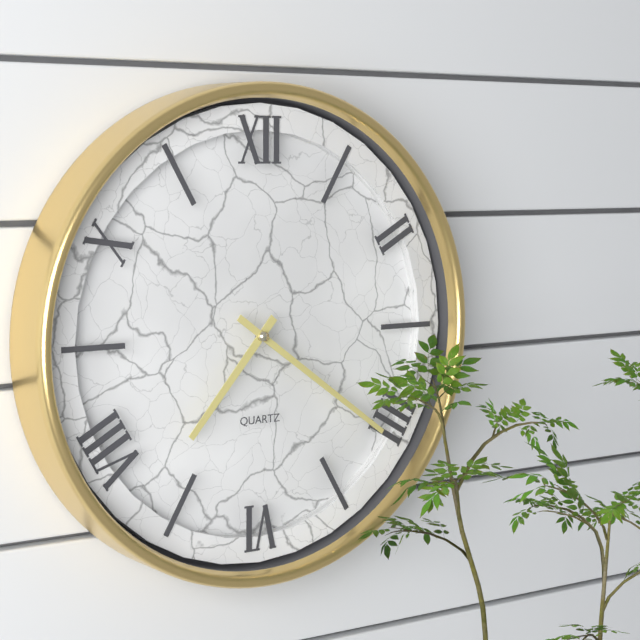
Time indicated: 7:21
